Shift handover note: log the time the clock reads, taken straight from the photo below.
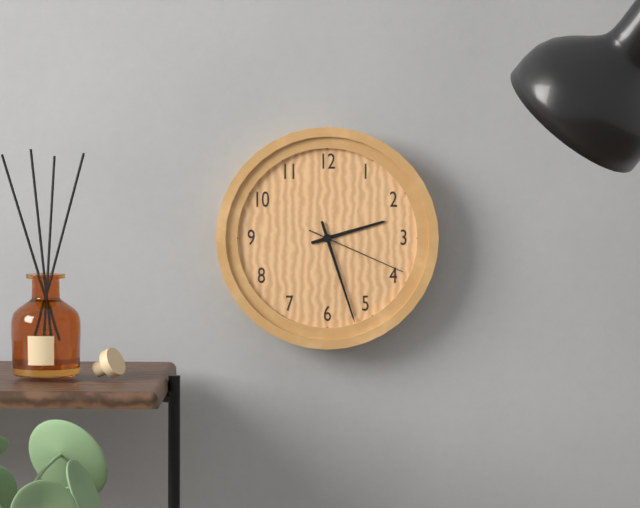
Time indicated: 2:27:19
